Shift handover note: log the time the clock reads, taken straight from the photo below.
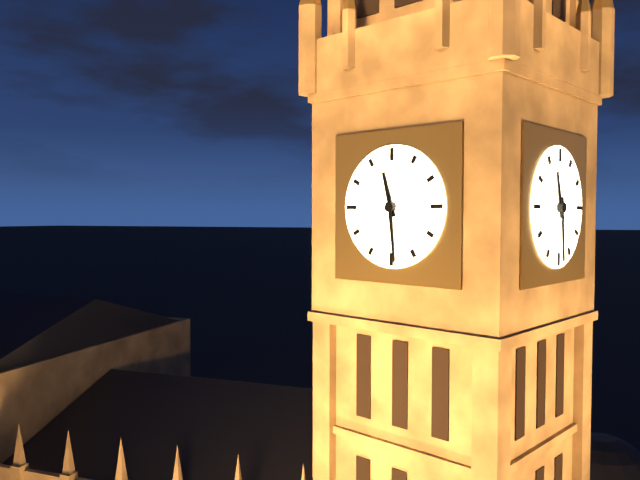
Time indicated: 11:29
